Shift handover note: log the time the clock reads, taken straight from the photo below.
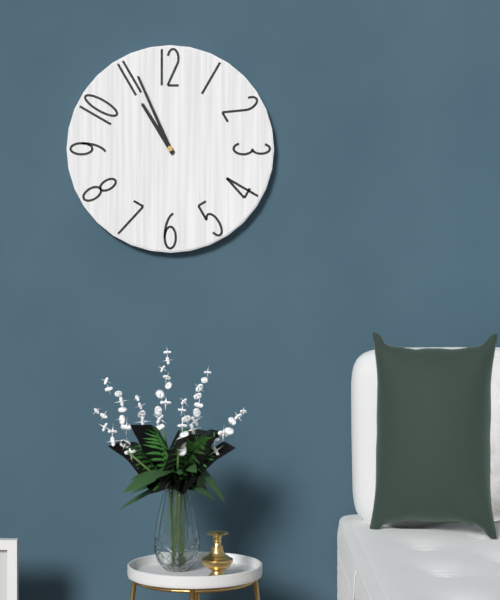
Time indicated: 10:56
